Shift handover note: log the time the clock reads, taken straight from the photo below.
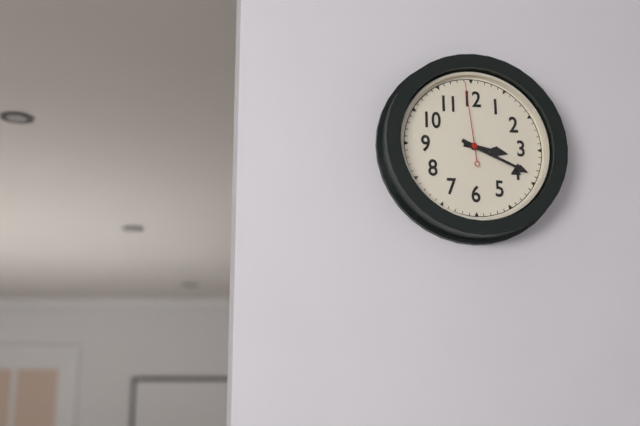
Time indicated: 3:19:59
